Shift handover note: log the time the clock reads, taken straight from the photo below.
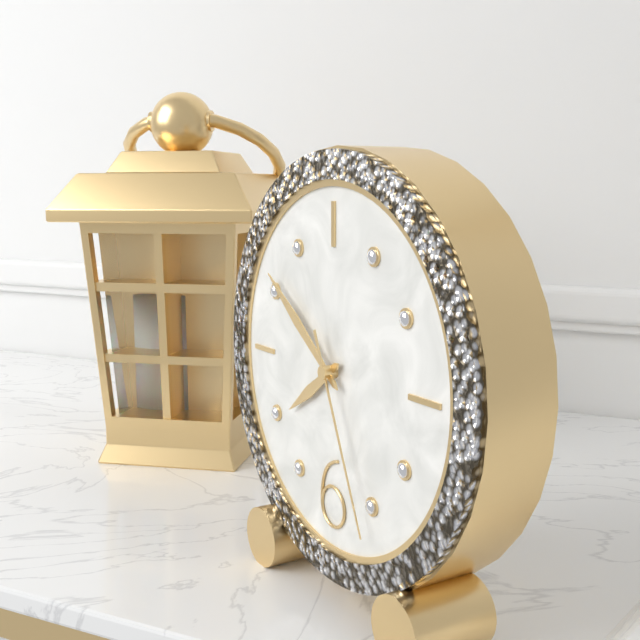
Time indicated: 7:51:26
